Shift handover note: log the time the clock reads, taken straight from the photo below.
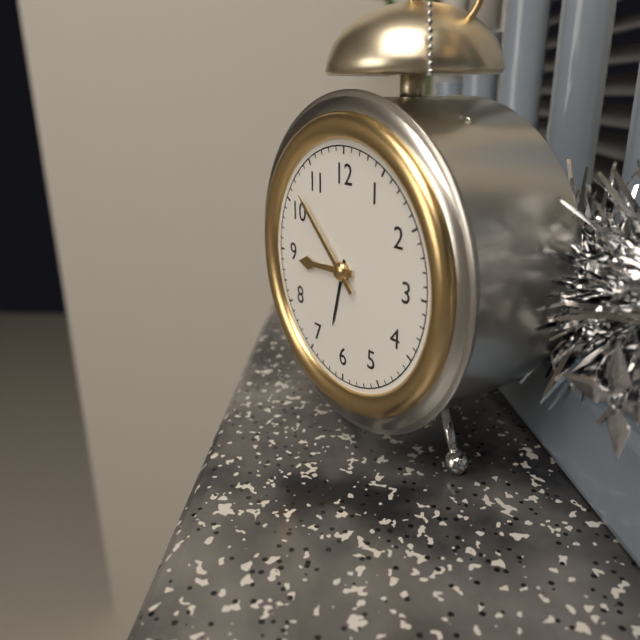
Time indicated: 8:52
